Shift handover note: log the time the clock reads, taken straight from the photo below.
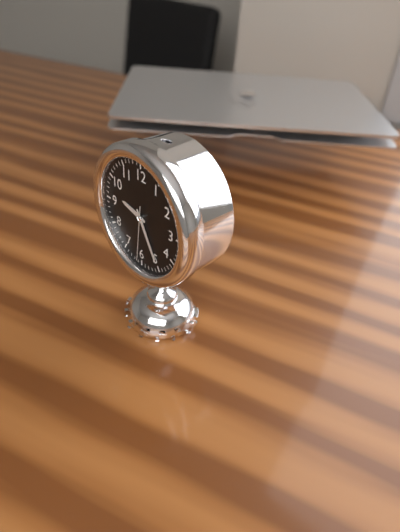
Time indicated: 9:25:31
